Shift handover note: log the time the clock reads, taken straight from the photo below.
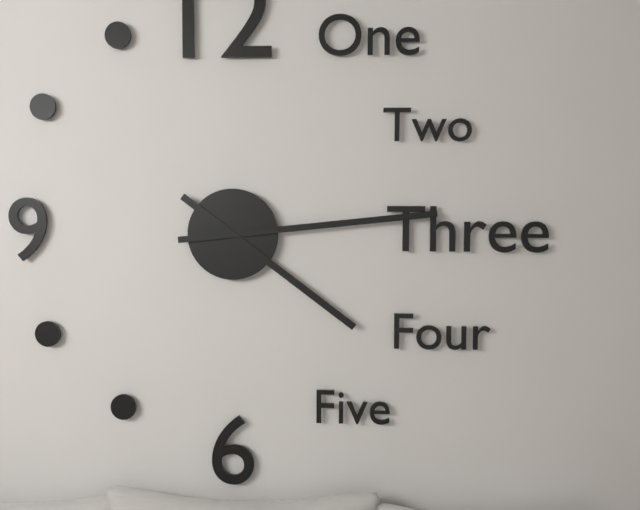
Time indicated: 4:14
